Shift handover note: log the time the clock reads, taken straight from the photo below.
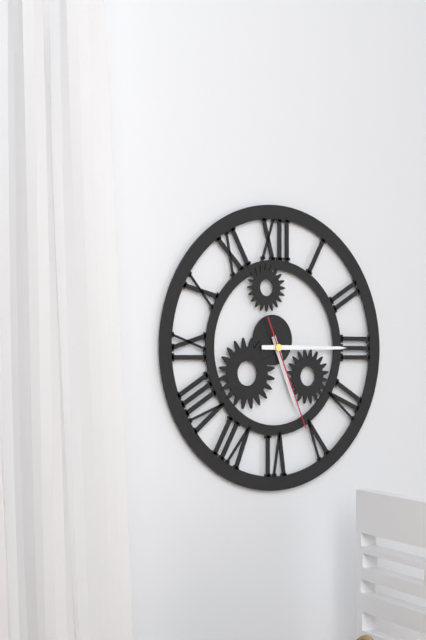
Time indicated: 5:15:26
